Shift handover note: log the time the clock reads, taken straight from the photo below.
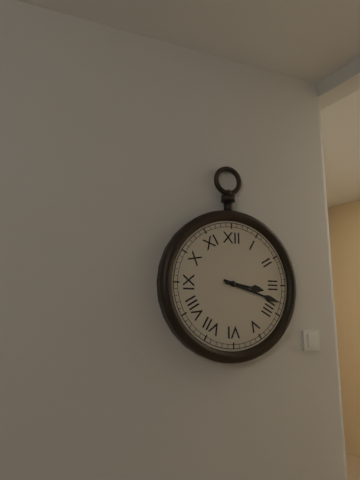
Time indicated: 3:18
